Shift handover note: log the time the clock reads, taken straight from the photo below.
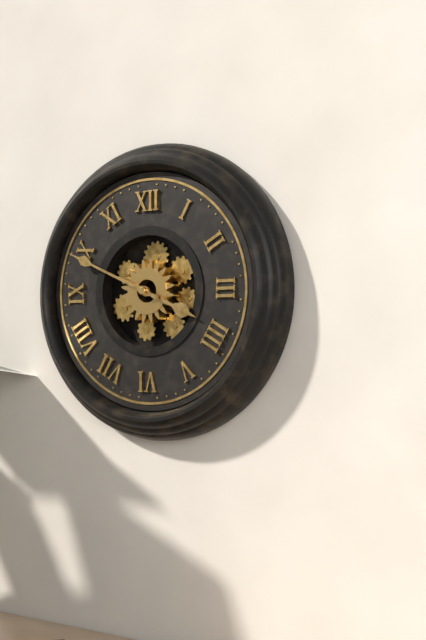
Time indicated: 3:49
